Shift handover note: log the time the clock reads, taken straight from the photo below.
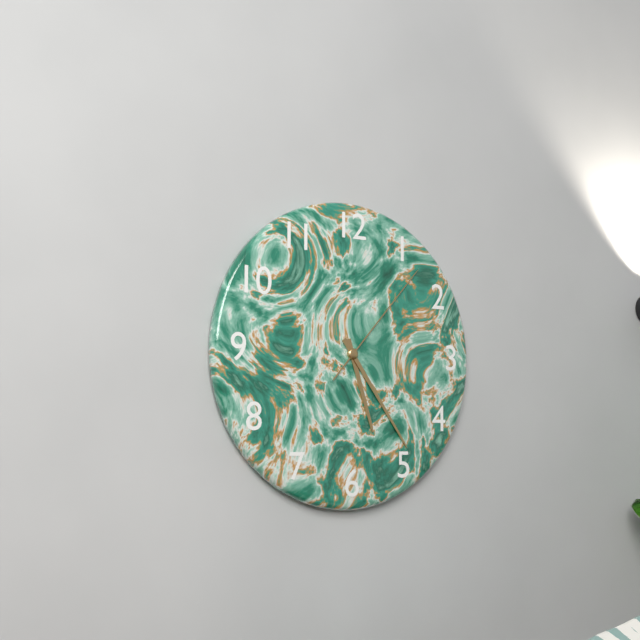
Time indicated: 5:24:07
